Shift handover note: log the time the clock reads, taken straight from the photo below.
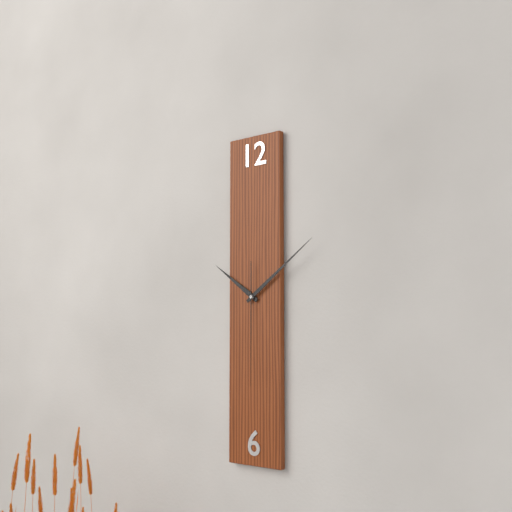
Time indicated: 10:09:30
